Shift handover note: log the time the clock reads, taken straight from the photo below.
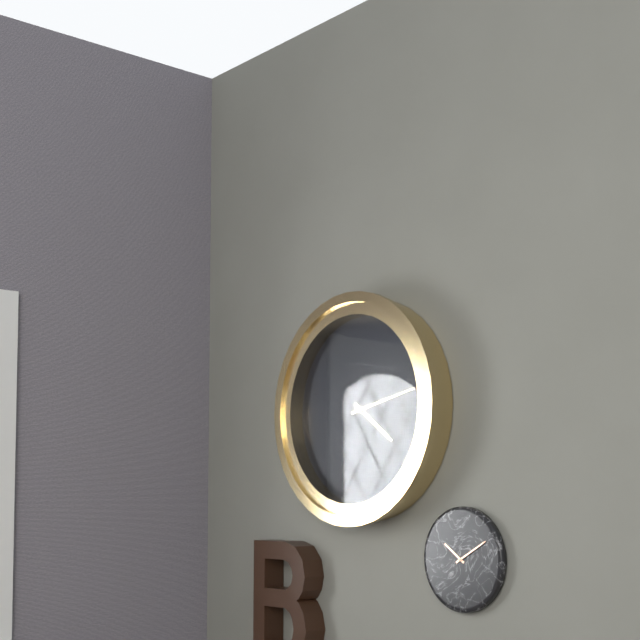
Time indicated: 4:13
